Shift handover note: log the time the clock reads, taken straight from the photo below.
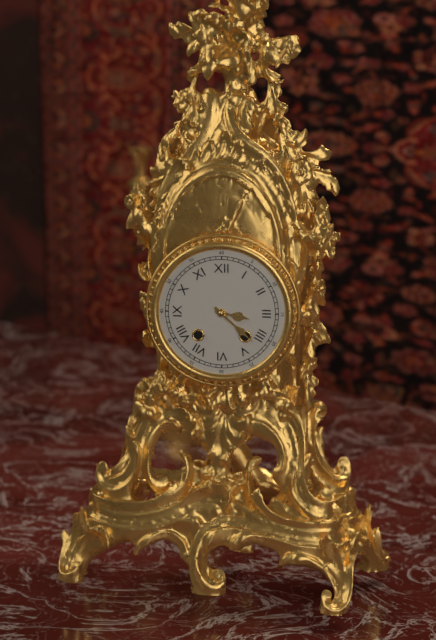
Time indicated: 3:22
